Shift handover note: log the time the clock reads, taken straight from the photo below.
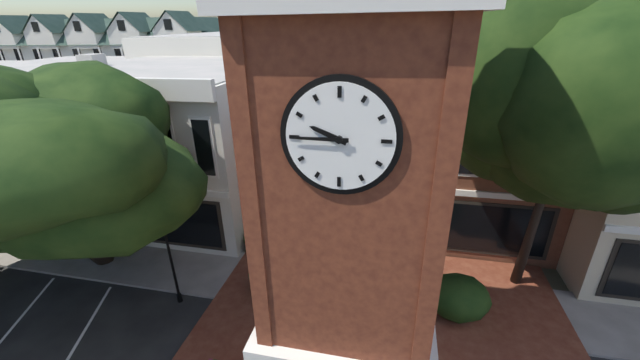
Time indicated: 9:45
